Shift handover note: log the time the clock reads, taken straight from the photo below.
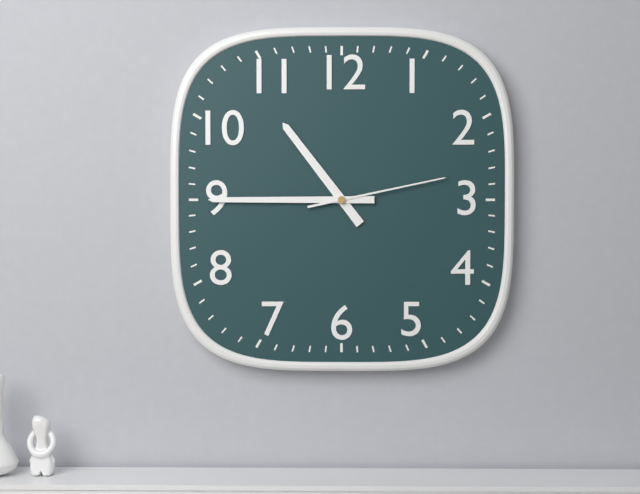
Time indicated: 10:45:13
